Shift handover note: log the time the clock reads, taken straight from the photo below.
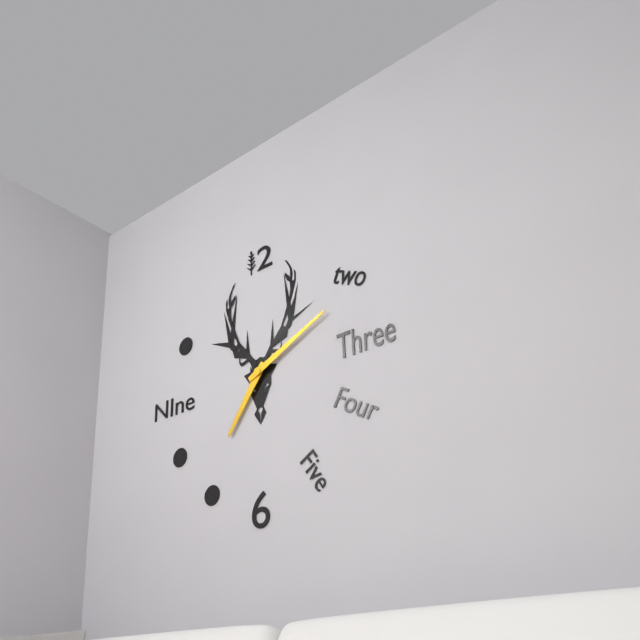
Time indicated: 7:11
